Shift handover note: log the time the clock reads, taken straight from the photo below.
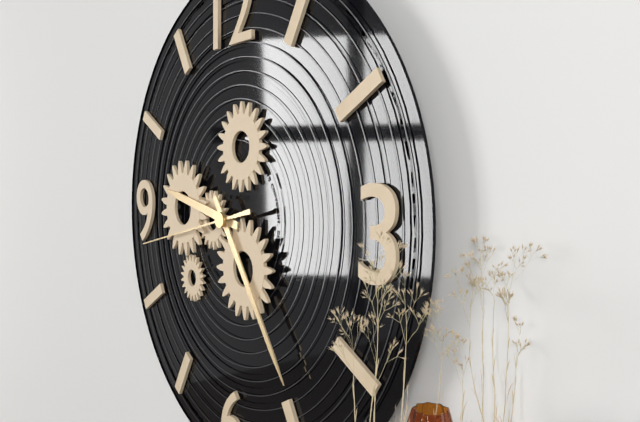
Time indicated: 9:24:43
